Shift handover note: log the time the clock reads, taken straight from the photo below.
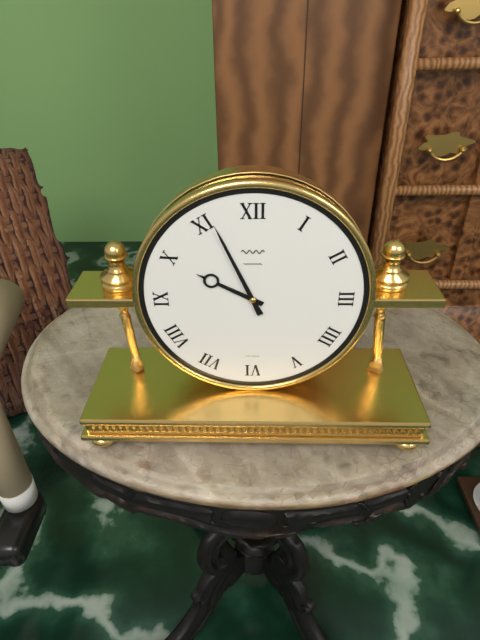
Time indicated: 9:56
